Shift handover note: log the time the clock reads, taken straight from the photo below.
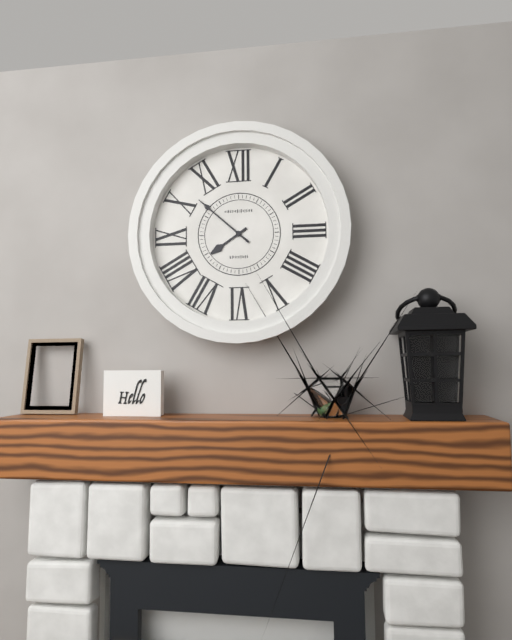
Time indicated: 7:52
